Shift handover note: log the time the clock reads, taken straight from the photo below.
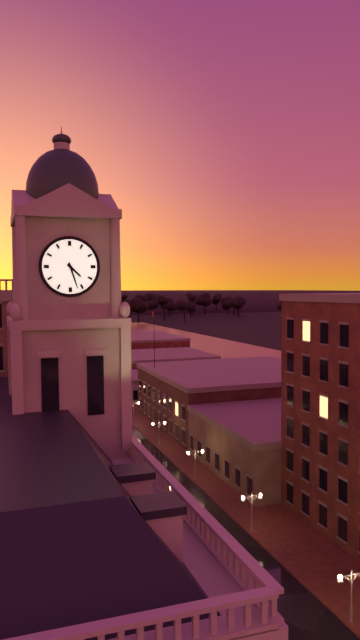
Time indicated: 4:27
